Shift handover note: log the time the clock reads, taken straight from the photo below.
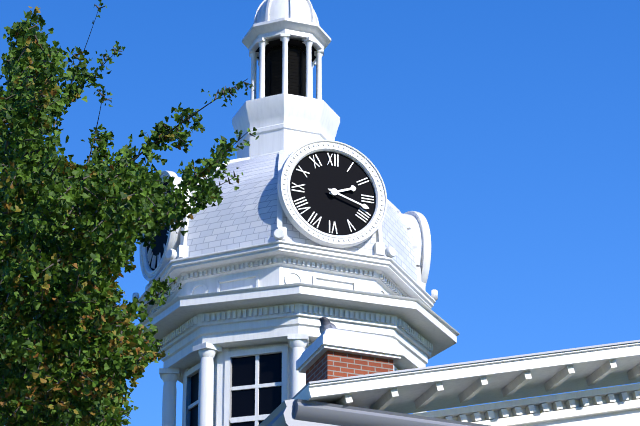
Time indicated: 2:18
